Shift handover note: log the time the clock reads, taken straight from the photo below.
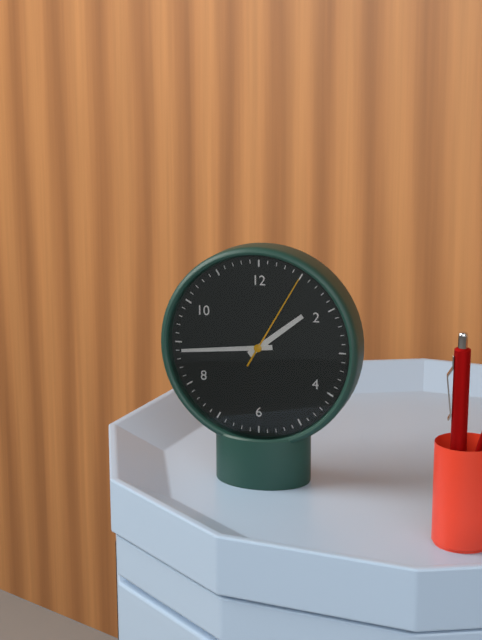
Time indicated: 1:44:05
